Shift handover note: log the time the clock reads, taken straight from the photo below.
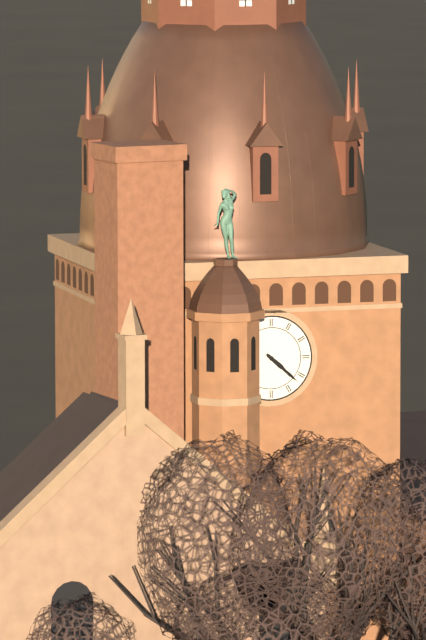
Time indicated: 4:22
